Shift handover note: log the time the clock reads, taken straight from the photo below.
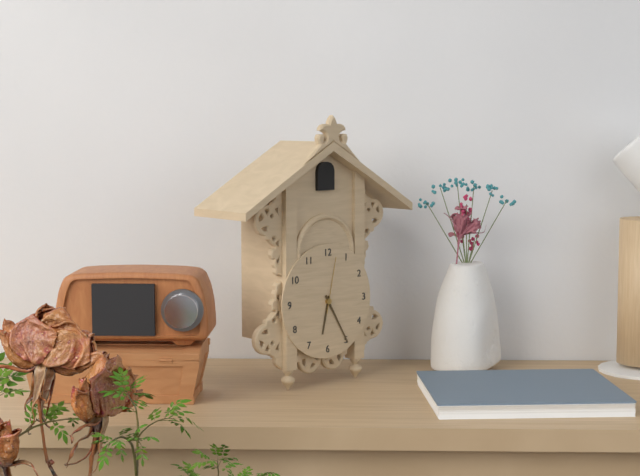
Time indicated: 6:25:02
